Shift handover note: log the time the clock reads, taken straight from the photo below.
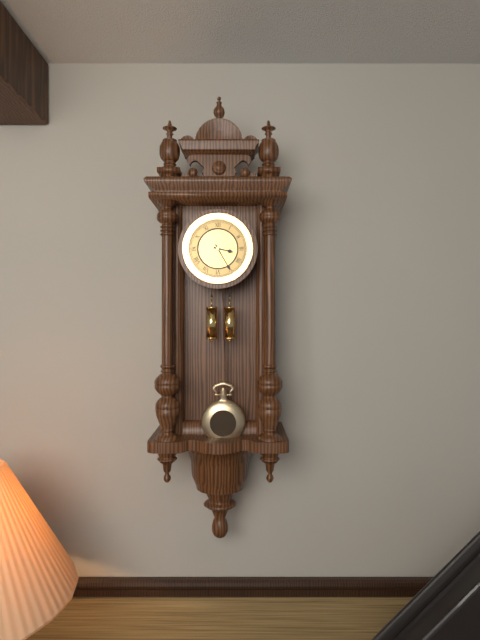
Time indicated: 3:25
